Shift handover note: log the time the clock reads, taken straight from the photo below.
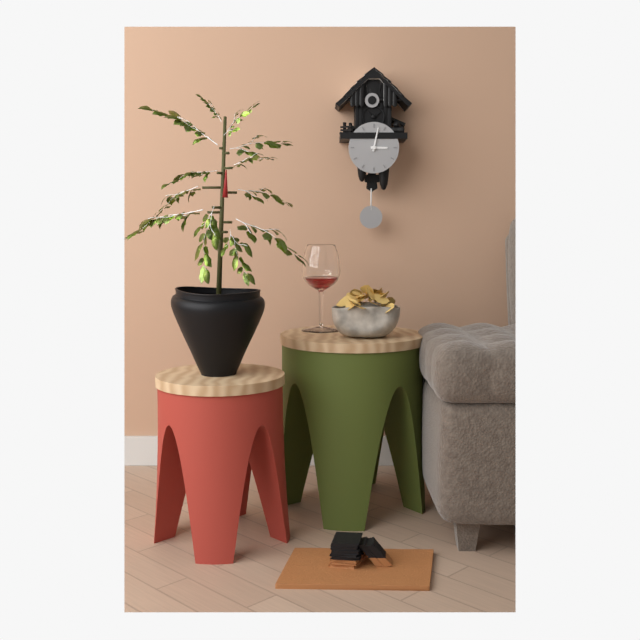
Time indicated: 3:02
